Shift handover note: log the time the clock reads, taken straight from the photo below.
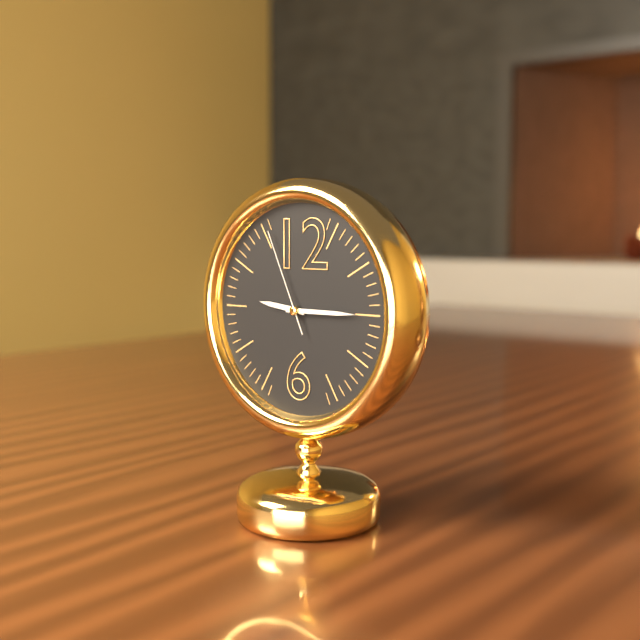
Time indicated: 9:15:56
